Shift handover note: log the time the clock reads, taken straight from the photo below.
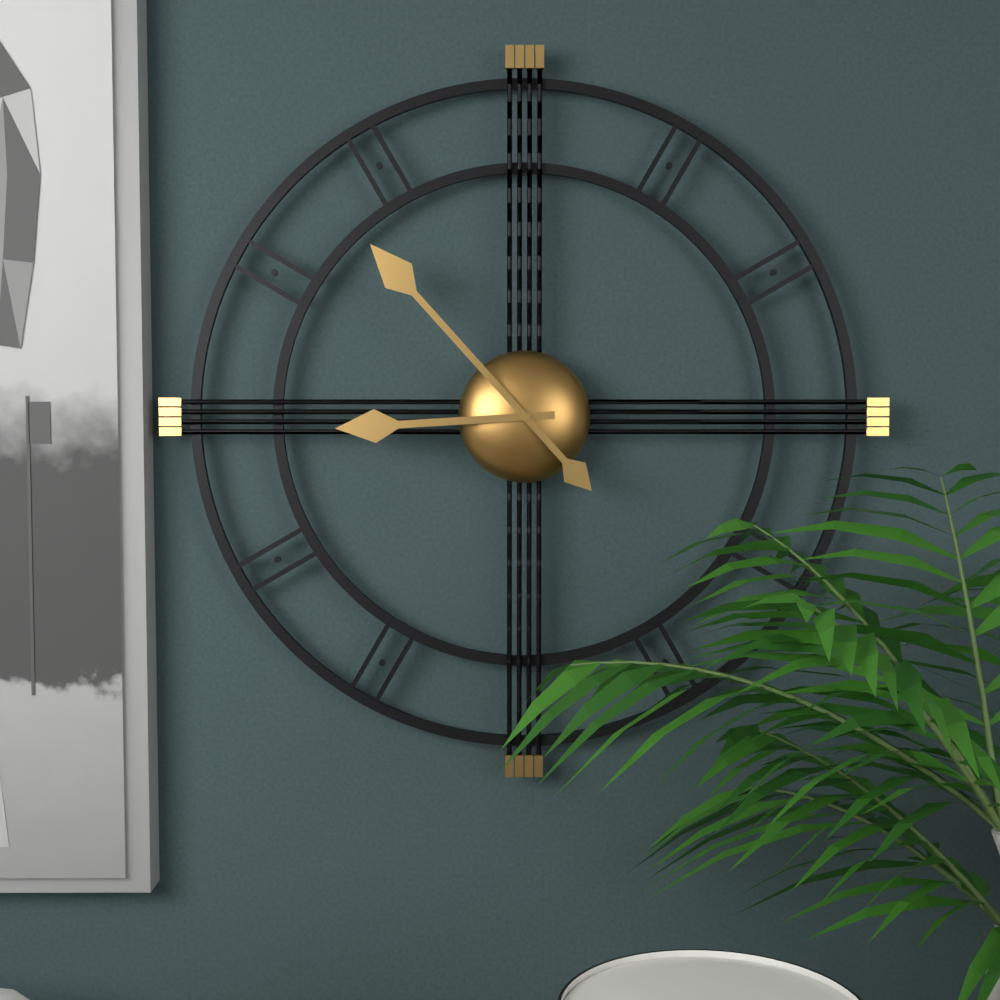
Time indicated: 8:53
